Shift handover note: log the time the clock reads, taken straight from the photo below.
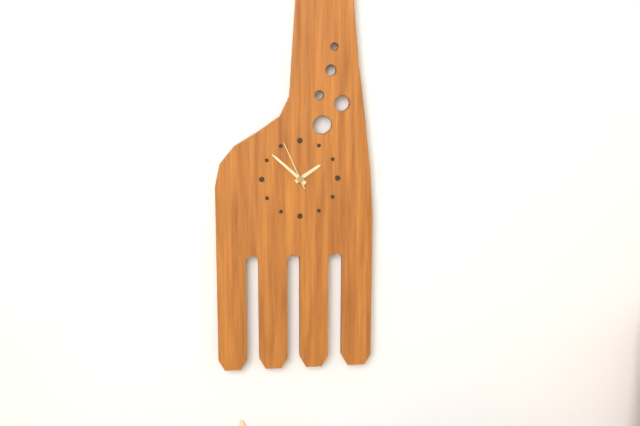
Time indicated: 1:52:56
